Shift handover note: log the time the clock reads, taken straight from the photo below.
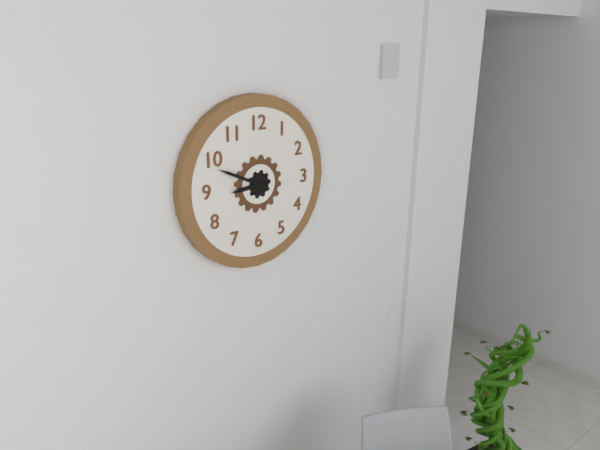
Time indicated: 8:49
